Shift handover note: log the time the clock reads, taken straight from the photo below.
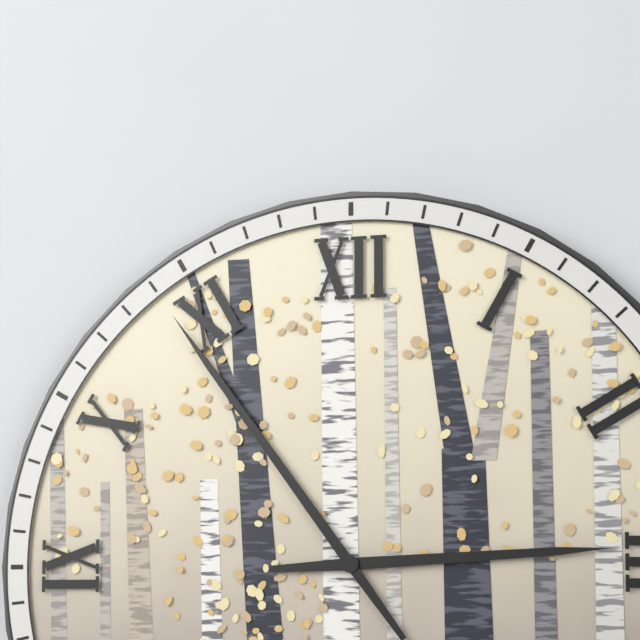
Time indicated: 2:54
